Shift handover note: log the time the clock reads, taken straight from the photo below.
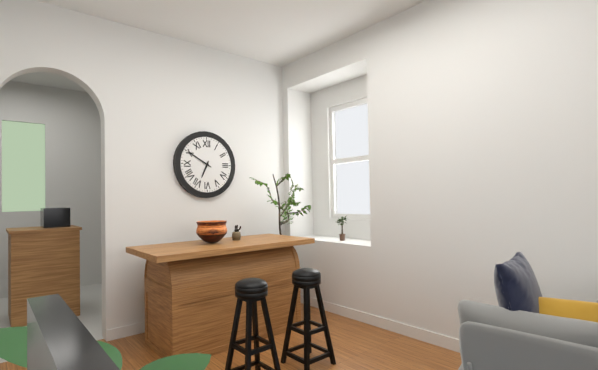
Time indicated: 6:50
